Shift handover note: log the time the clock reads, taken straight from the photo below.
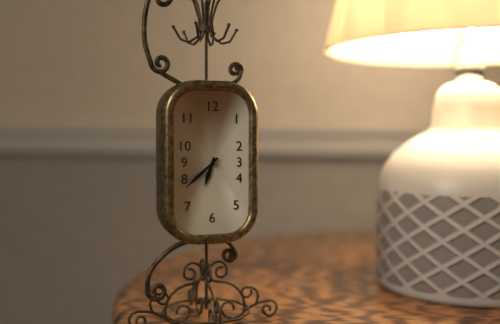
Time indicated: 6:38
